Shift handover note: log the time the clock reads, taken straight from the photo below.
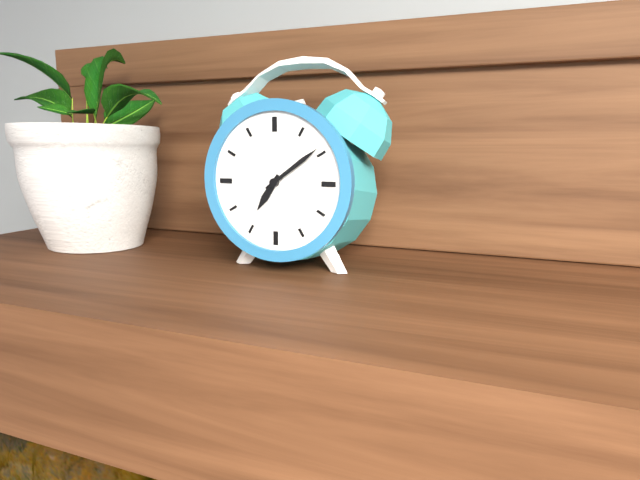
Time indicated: 7:09
